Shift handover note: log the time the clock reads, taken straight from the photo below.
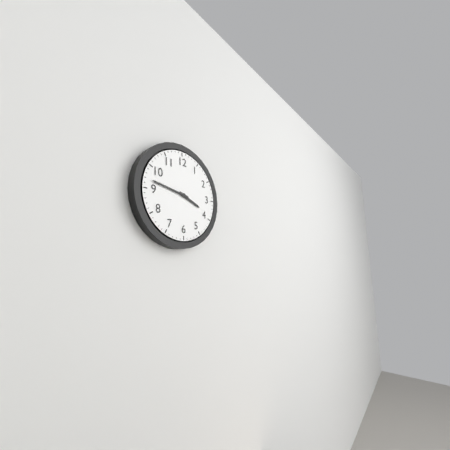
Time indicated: 3:47
